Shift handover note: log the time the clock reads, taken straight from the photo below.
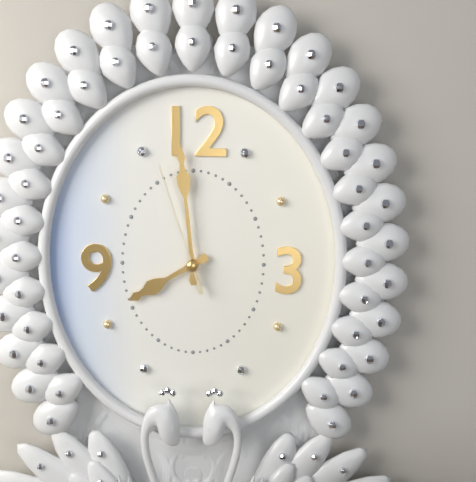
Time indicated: 7:59:57
